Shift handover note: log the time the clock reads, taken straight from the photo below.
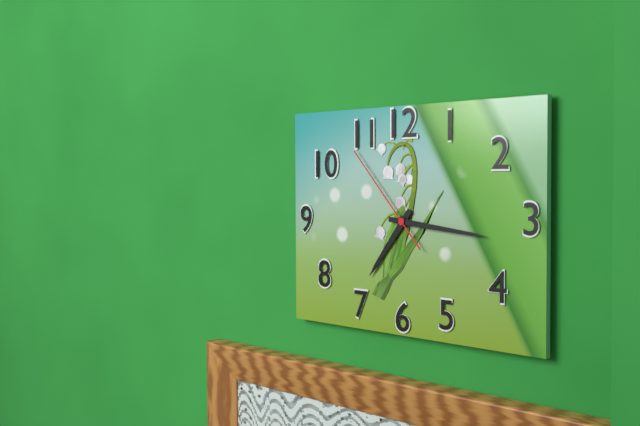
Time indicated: 7:16:53
